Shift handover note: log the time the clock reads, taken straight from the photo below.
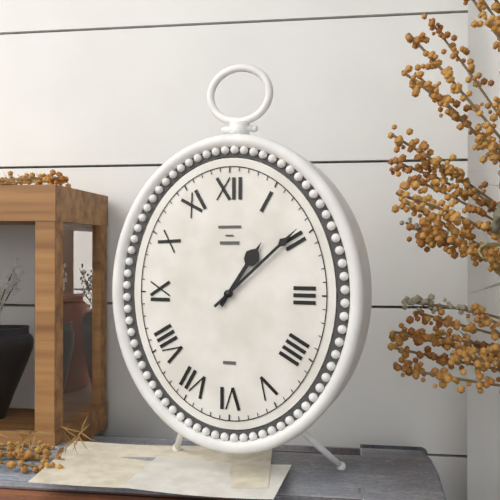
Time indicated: 1:08
